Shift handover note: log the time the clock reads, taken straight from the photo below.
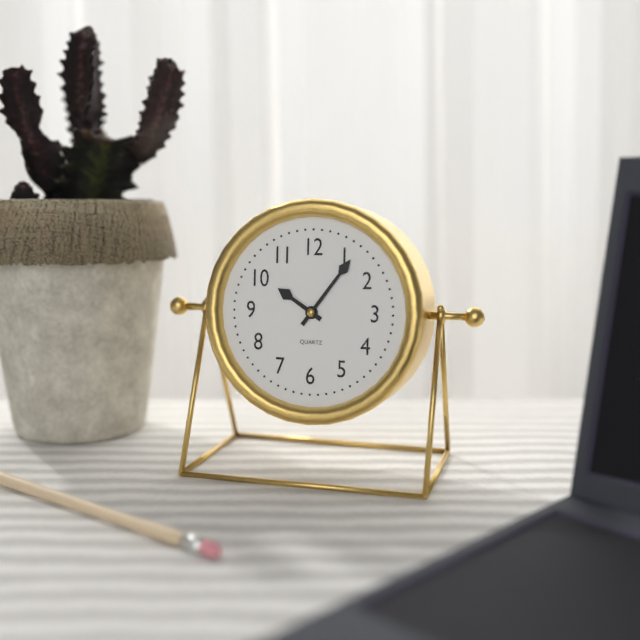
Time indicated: 10:06
